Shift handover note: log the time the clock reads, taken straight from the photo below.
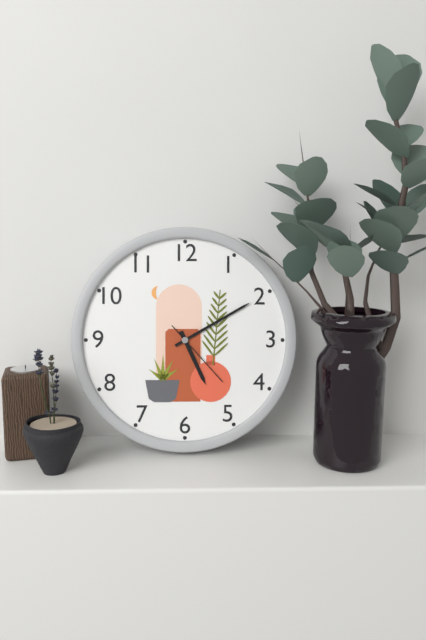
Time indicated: 5:10:23
